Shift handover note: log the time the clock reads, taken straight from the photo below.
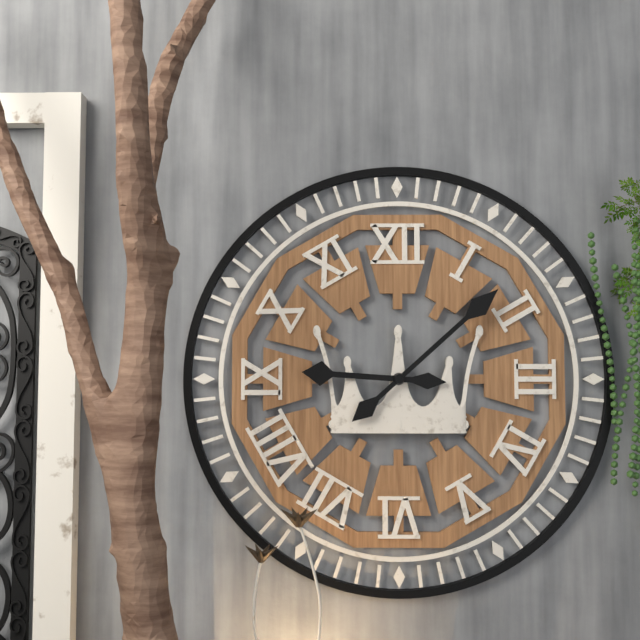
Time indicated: 9:08
